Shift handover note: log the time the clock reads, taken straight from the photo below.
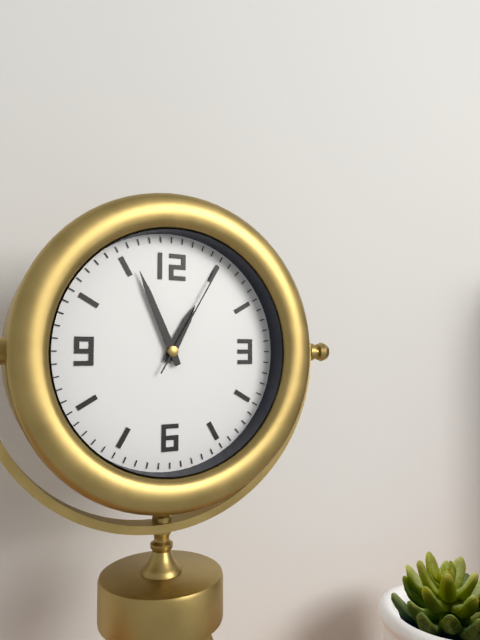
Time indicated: 12:56:05
